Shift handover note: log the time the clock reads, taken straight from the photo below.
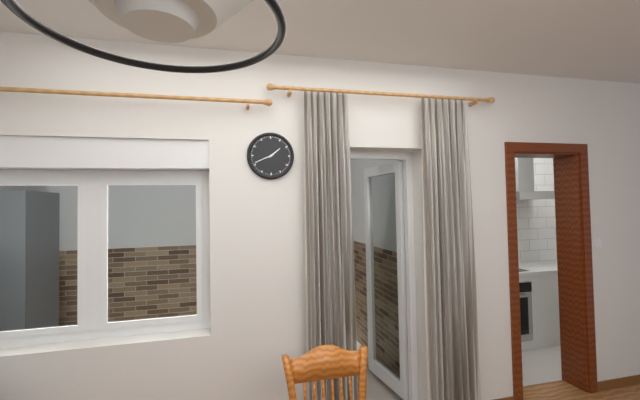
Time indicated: 1:41
